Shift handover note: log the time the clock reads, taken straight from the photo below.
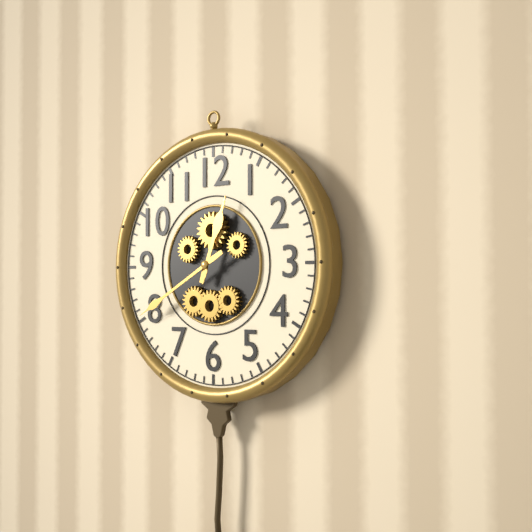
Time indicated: 12:40
